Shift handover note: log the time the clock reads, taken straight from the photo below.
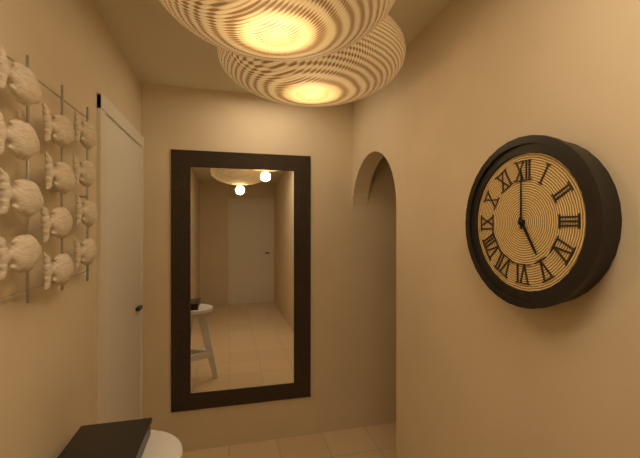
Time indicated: 5:00
